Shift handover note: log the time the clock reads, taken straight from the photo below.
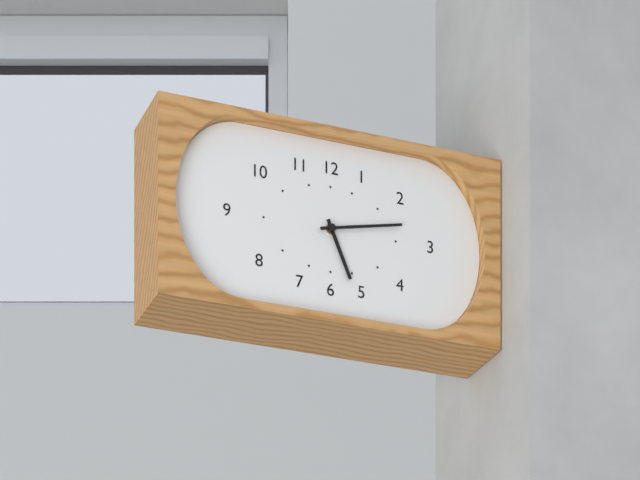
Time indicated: 5:13
